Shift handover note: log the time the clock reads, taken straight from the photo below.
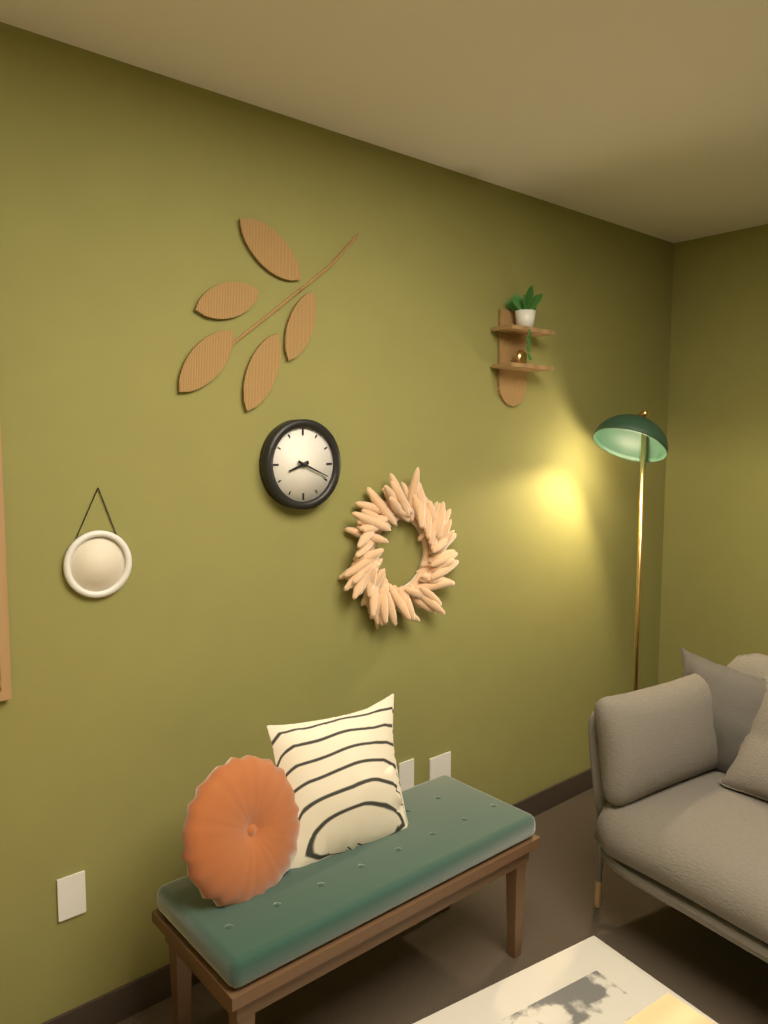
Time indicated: 8:19
